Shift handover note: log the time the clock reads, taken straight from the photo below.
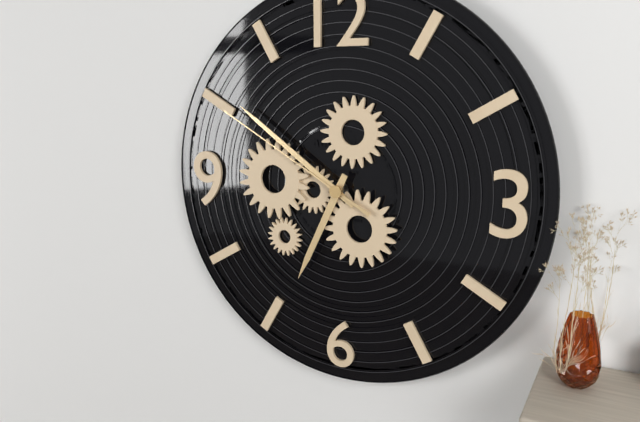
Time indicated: 6:51:50
